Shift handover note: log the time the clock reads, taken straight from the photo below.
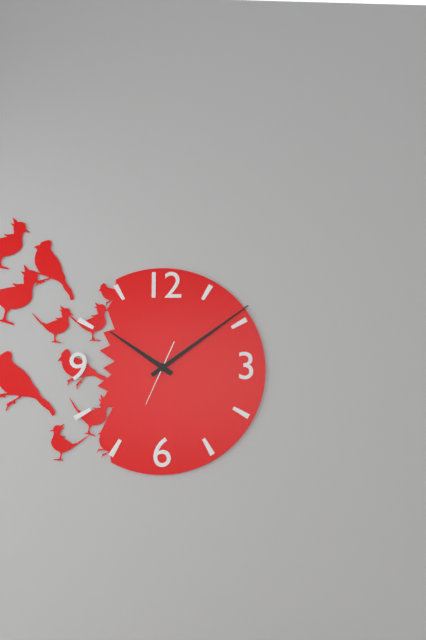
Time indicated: 10:09:34
